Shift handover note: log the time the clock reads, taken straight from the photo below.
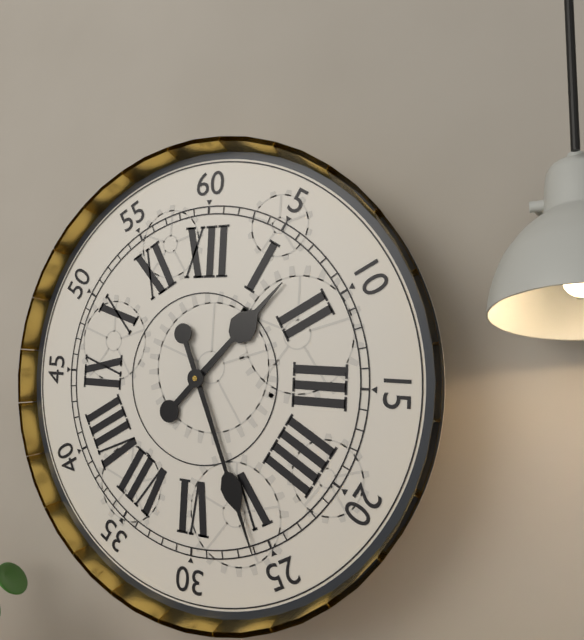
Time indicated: 1:26
